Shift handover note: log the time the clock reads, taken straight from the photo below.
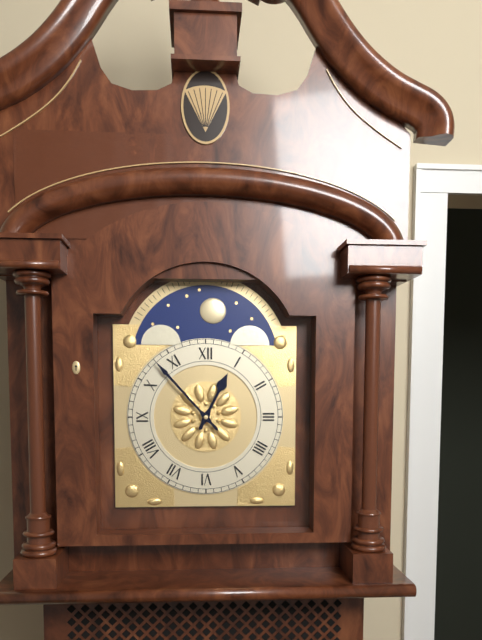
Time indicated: 12:53
